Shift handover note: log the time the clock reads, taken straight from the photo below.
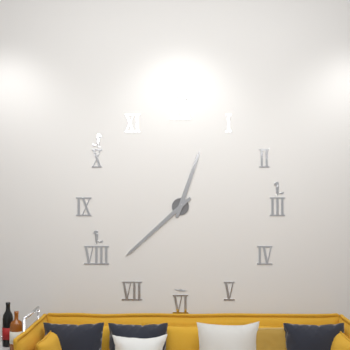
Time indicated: 12:38
